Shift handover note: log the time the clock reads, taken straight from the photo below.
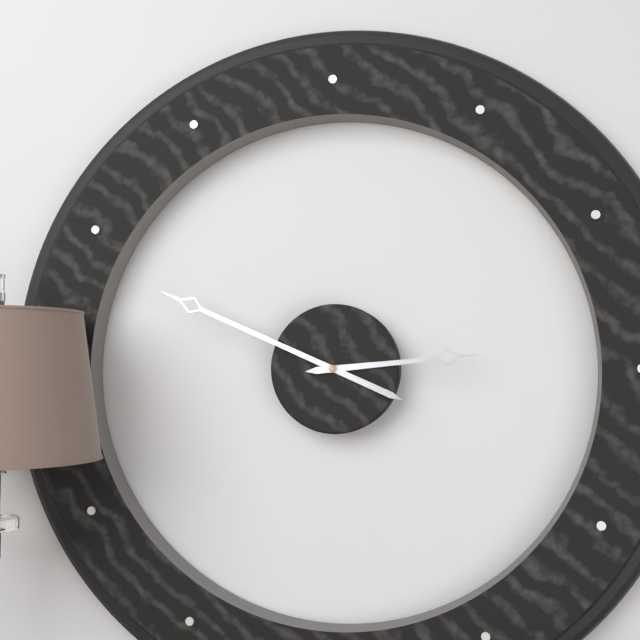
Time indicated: 2:49
